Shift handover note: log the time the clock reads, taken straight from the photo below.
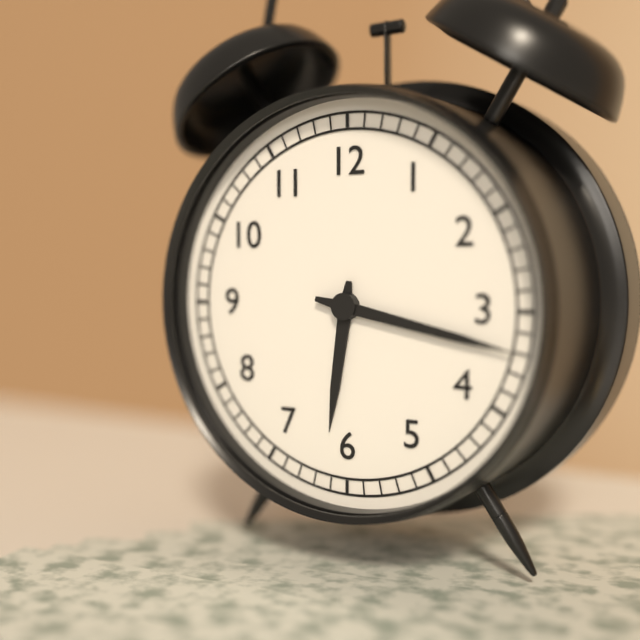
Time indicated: 6:17
